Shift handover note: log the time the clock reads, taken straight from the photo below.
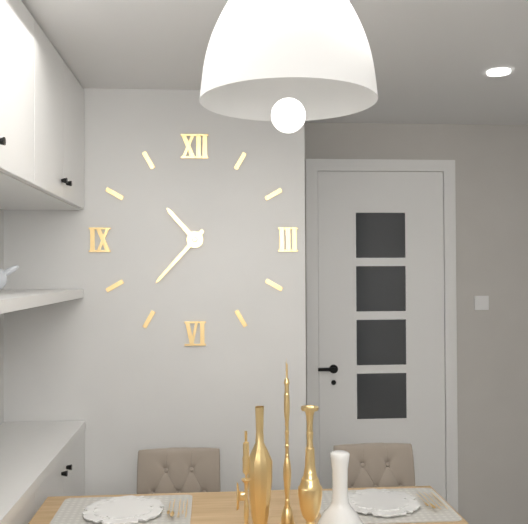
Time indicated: 10:37
